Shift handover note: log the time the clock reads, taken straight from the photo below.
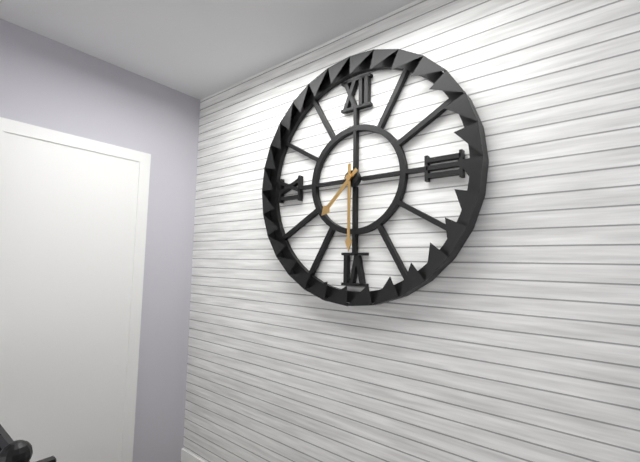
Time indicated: 7:30
